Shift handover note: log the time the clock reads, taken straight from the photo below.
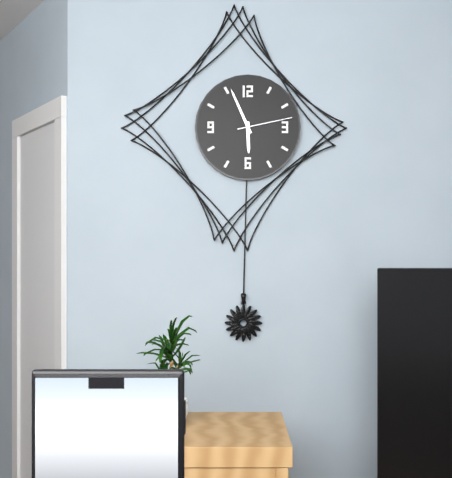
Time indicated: 5:56:13
